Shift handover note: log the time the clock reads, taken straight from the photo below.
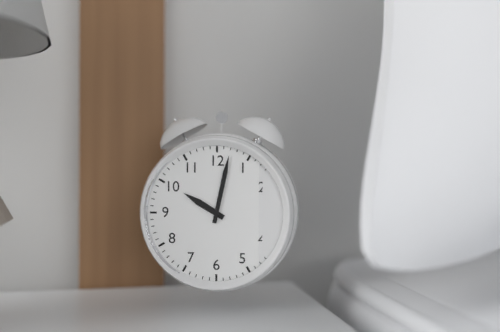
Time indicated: 10:02
